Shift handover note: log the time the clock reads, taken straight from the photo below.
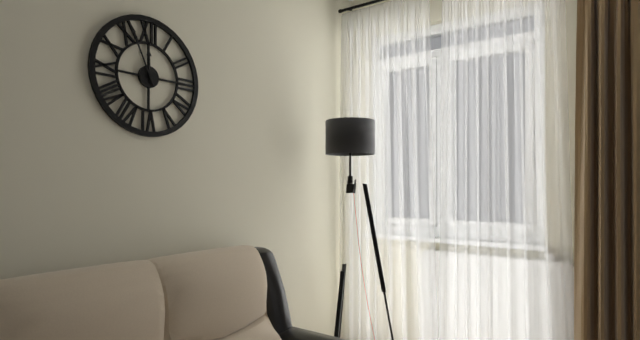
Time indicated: 11:56
